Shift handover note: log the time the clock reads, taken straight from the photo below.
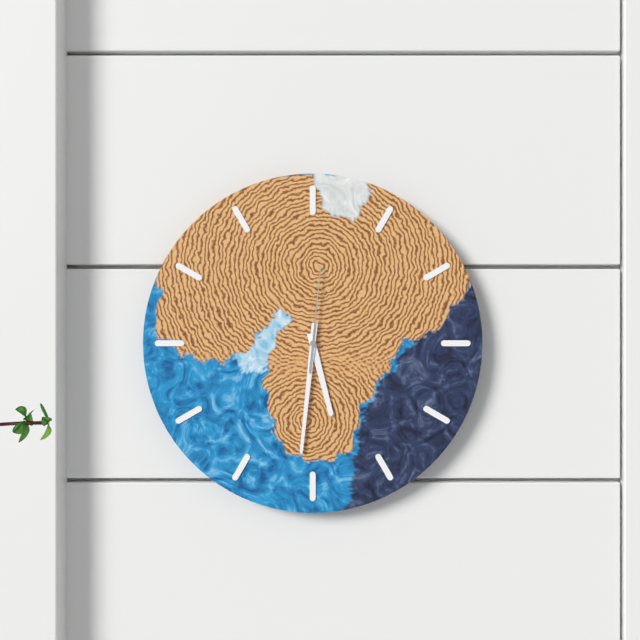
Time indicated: 5:31:01
